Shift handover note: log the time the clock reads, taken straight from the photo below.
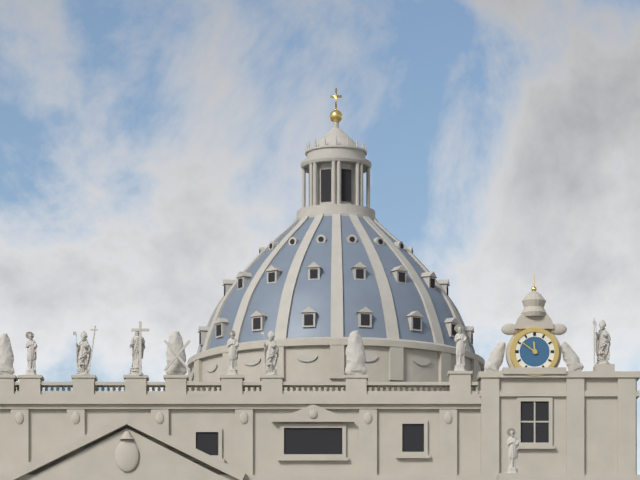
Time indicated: 11:51
